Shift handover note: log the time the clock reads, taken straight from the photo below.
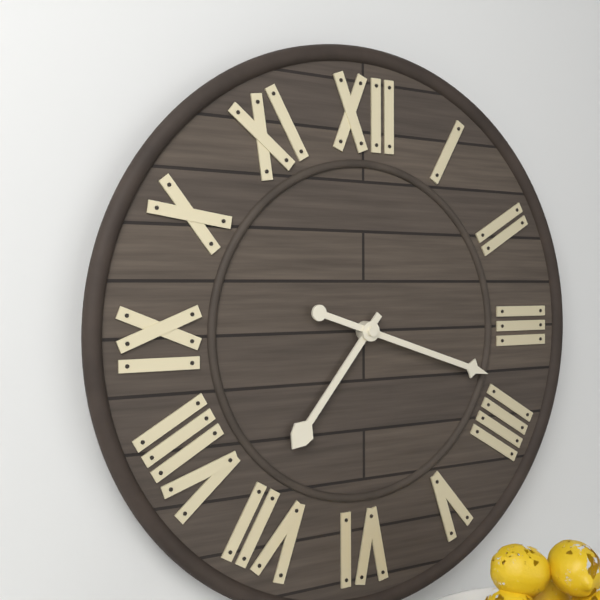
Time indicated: 7:18
